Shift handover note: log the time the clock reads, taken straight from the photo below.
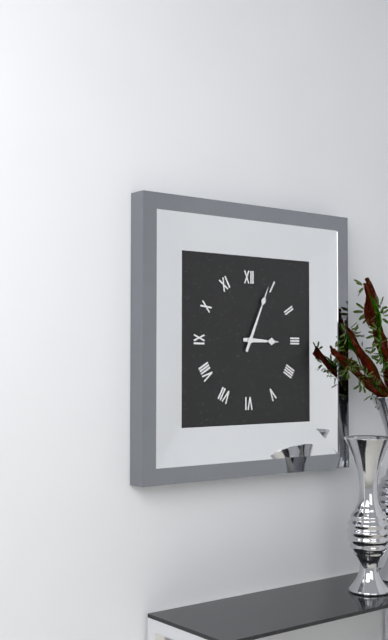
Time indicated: 3:04
